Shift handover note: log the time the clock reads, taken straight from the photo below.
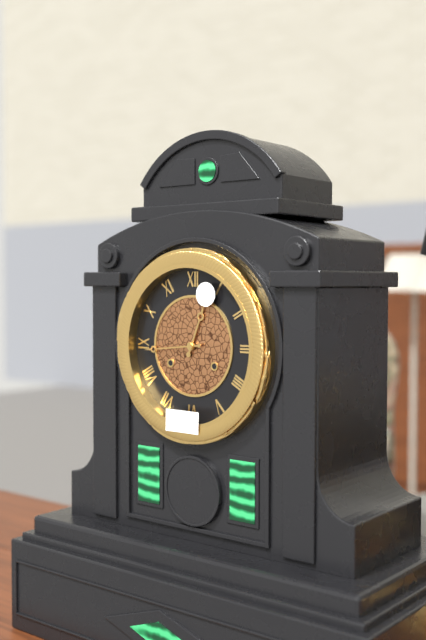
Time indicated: 12:44
